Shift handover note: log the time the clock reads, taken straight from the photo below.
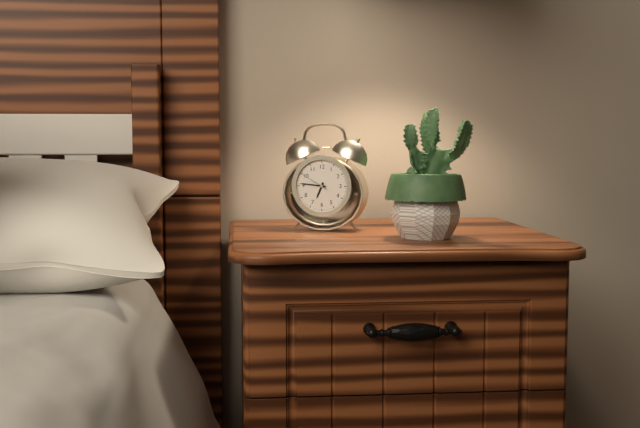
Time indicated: 6:46
